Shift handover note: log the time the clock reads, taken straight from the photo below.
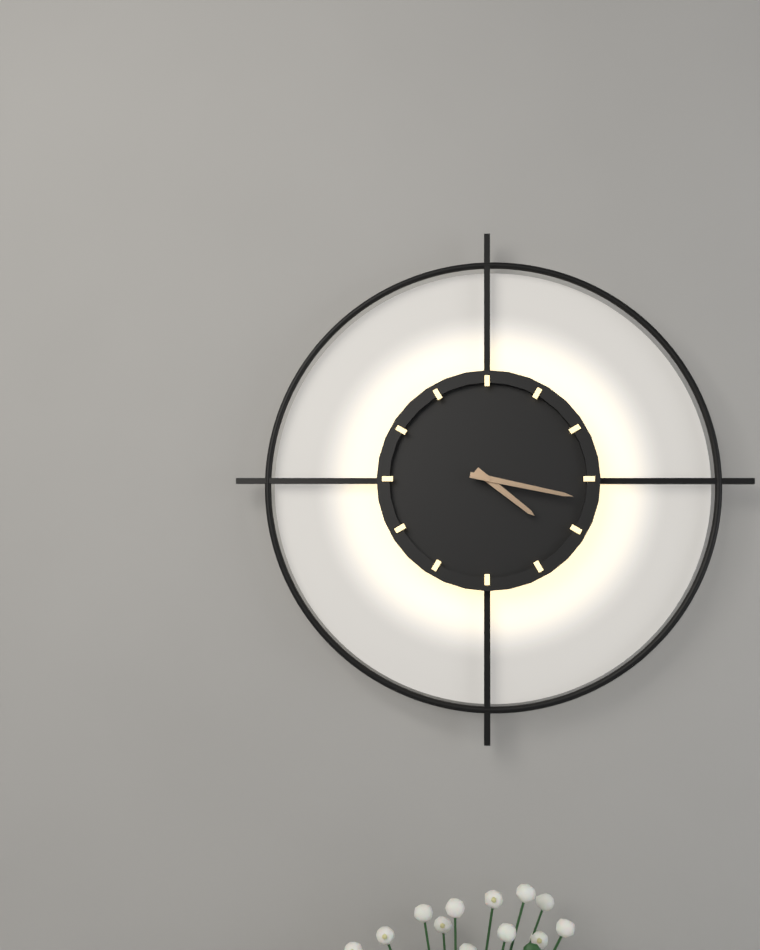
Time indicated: 4:17
